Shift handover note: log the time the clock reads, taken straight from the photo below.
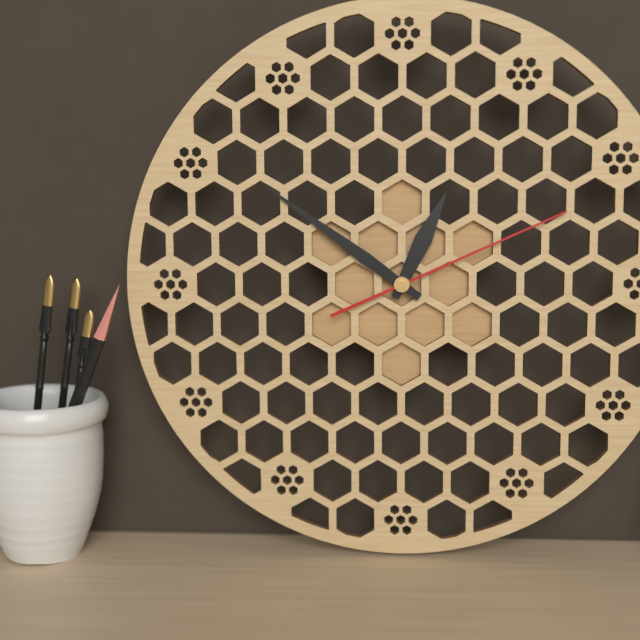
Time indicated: 12:51:11
